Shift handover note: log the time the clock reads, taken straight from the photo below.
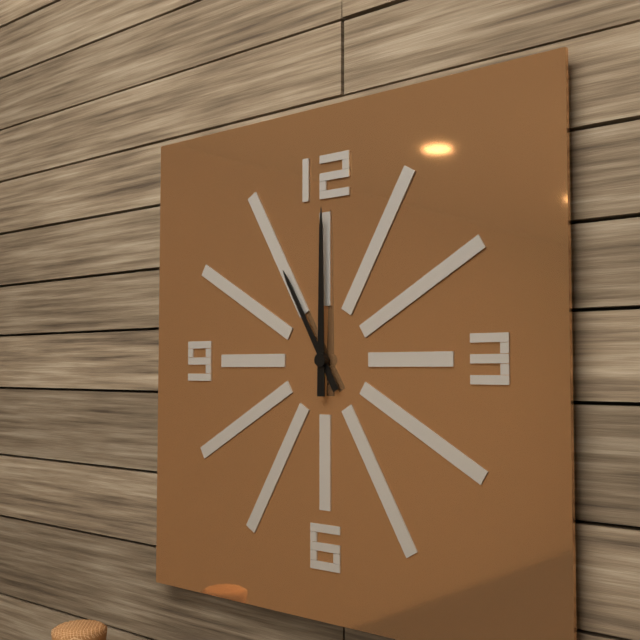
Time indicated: 11:00
